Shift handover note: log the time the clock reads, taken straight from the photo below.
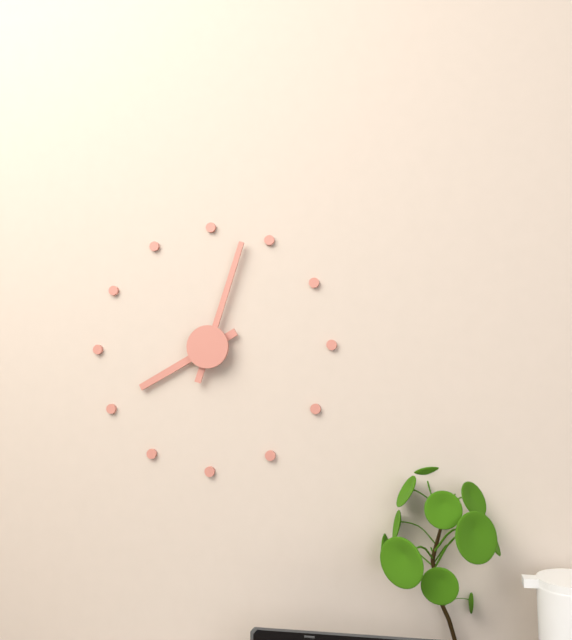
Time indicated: 8:03
